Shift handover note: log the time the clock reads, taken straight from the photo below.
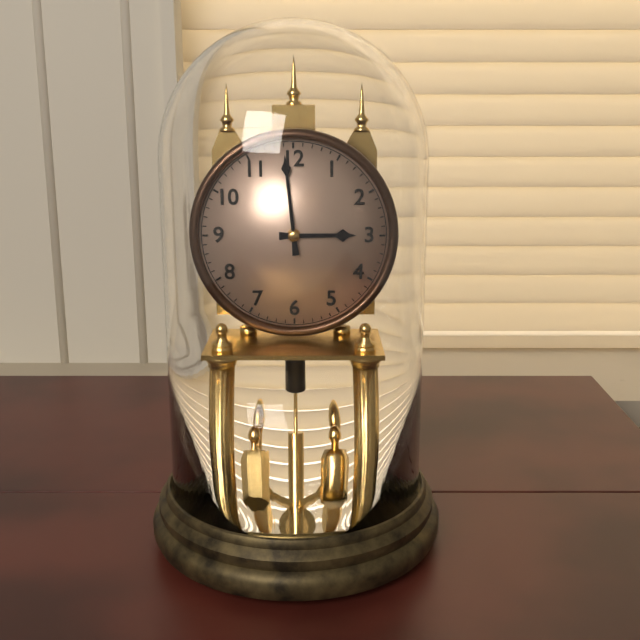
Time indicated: 2:59
